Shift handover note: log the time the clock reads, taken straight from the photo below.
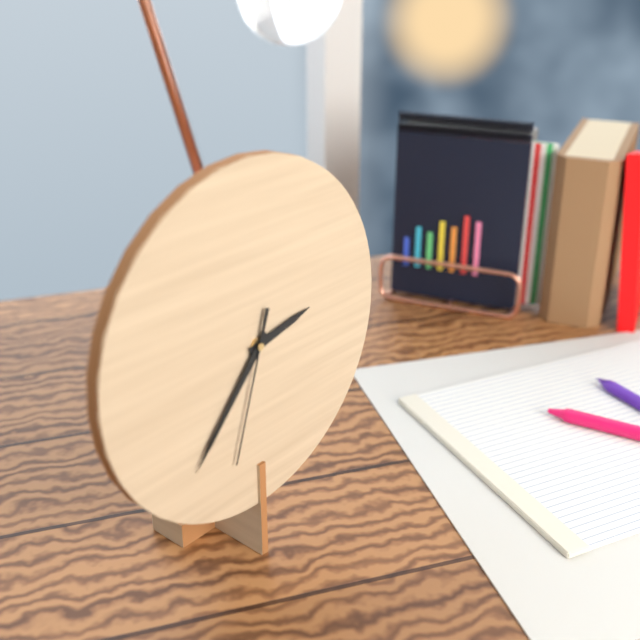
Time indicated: 2:37:33
